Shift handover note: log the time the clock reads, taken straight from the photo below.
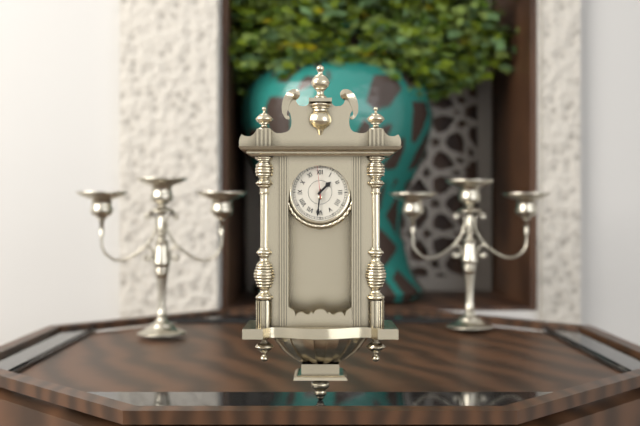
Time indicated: 1:31
